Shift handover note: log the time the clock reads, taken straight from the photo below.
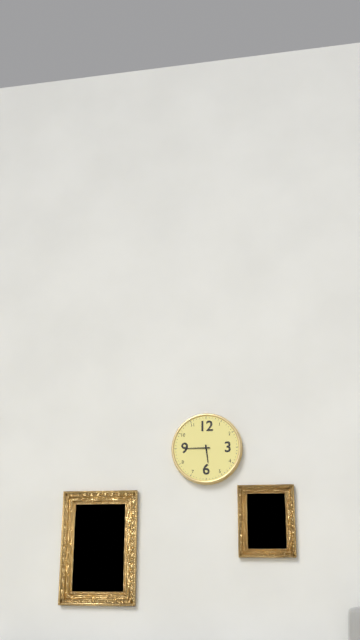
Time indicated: 5:45
